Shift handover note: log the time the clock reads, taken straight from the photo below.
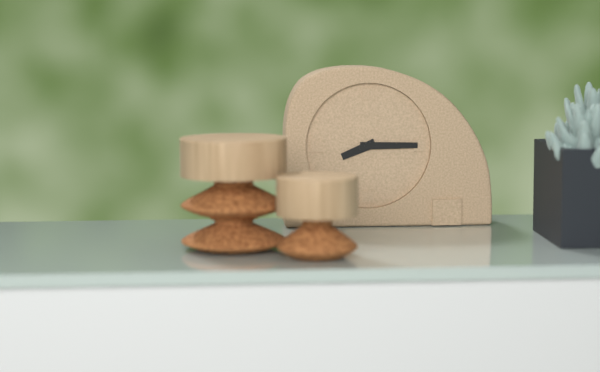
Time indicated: 8:15
